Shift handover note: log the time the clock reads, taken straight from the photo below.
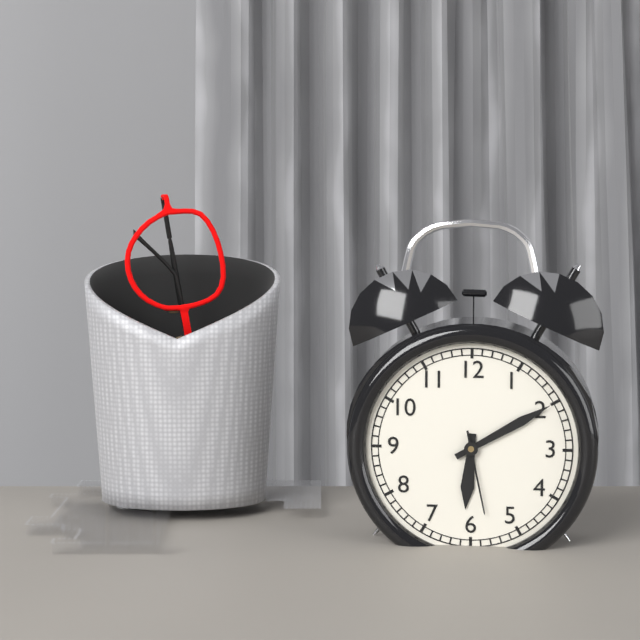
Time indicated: 6:10:28
